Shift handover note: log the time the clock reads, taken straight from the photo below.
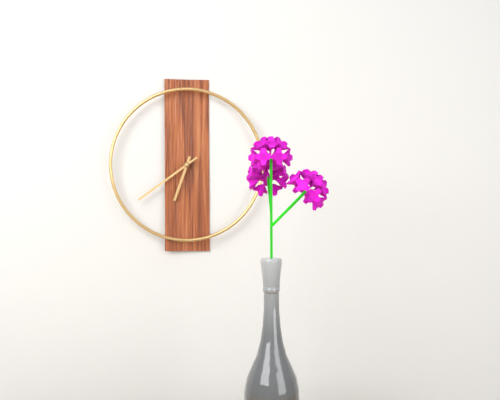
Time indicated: 6:39
